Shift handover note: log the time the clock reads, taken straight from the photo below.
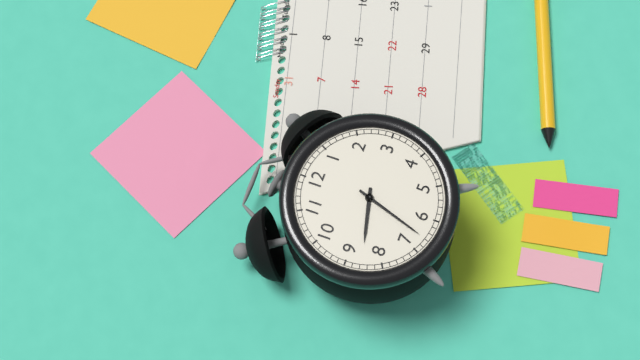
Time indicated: 8:33
